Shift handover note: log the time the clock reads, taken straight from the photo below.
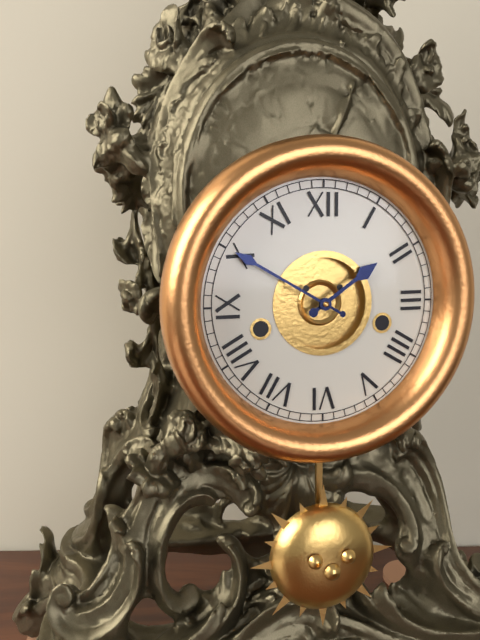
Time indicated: 1:50
